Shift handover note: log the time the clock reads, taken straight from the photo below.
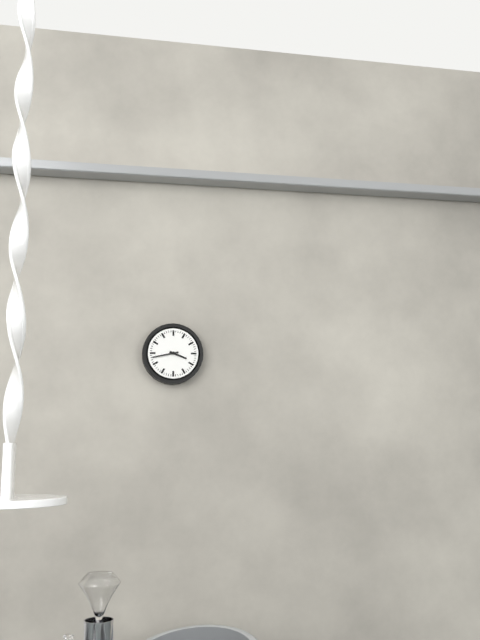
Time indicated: 3:43
